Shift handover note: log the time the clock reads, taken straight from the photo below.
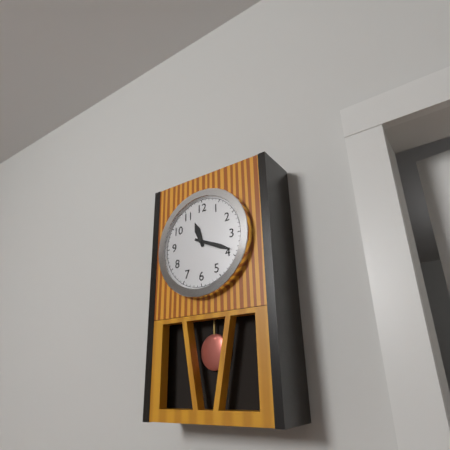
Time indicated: 11:19
